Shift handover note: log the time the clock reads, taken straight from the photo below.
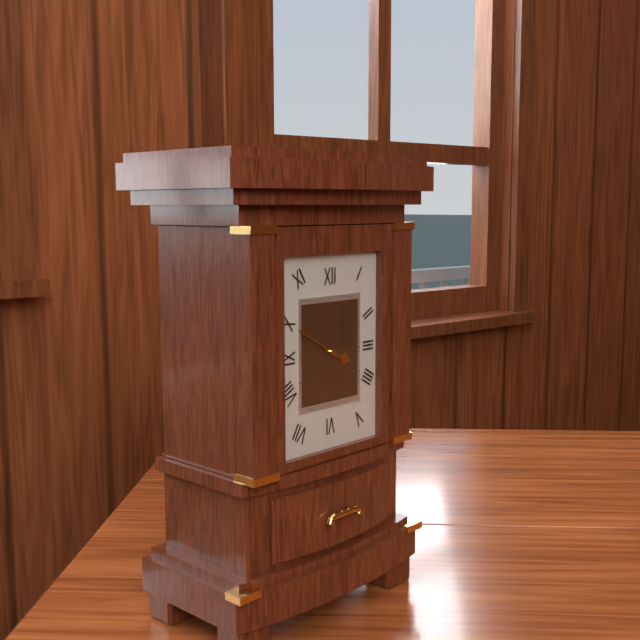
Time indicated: 3:50
